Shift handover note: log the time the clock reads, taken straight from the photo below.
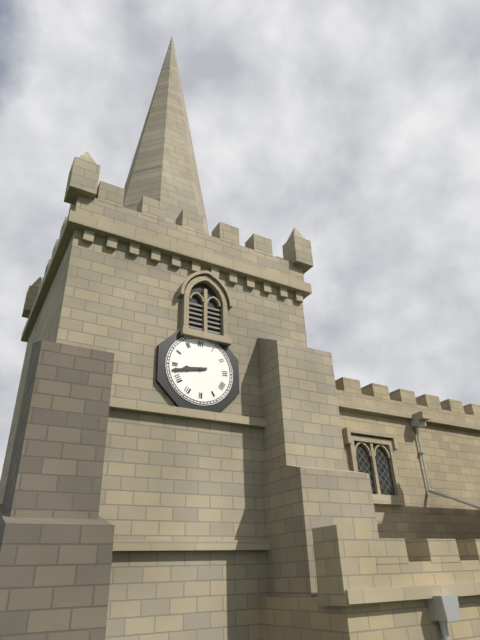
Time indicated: 8:43
